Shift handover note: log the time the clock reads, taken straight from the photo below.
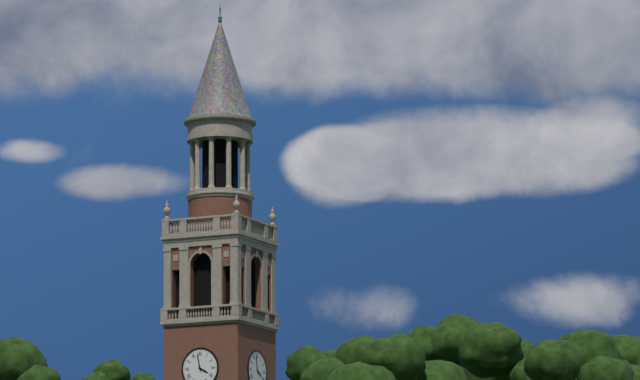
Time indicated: 3:58
